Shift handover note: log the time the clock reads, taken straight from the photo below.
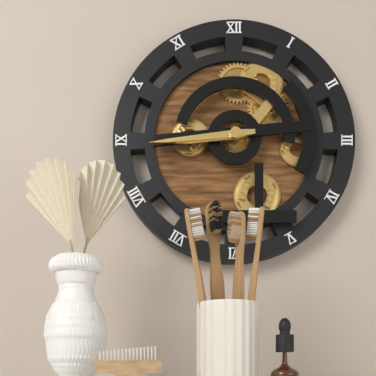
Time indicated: 8:44
